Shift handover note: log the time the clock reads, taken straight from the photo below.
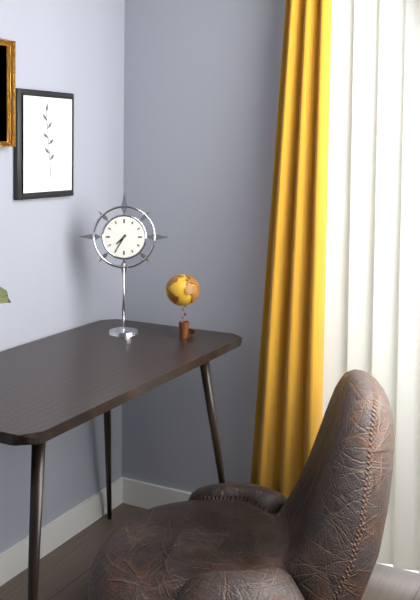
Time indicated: 7:35
